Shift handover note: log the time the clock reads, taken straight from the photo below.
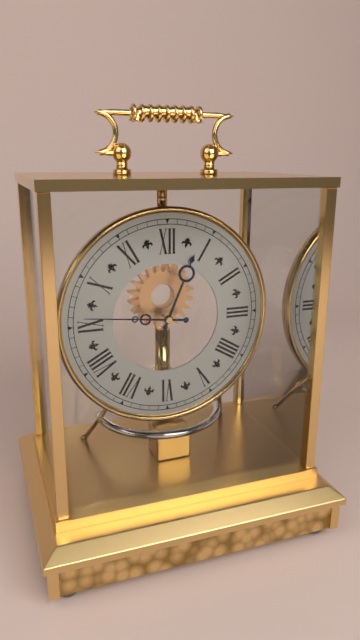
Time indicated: 12:46
